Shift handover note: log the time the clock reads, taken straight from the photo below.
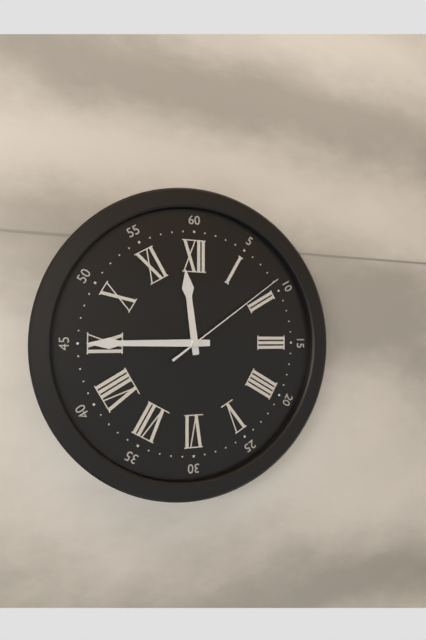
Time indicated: 11:45:09
